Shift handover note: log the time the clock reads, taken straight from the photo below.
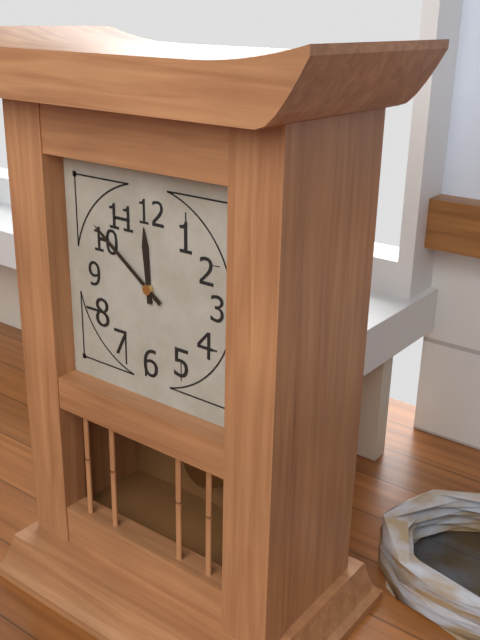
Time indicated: 11:51
